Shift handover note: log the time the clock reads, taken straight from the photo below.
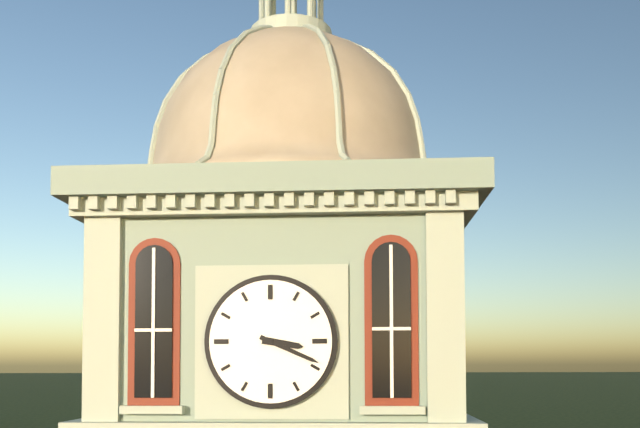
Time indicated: 3:19
